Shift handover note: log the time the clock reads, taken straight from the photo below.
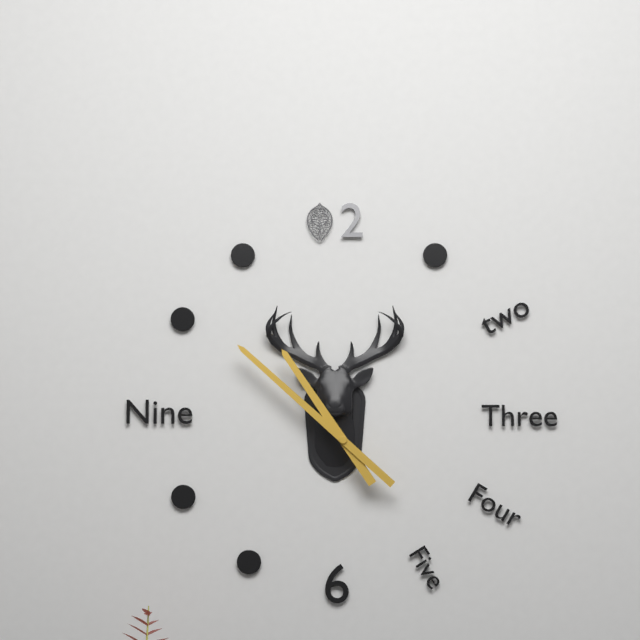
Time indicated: 10:52
